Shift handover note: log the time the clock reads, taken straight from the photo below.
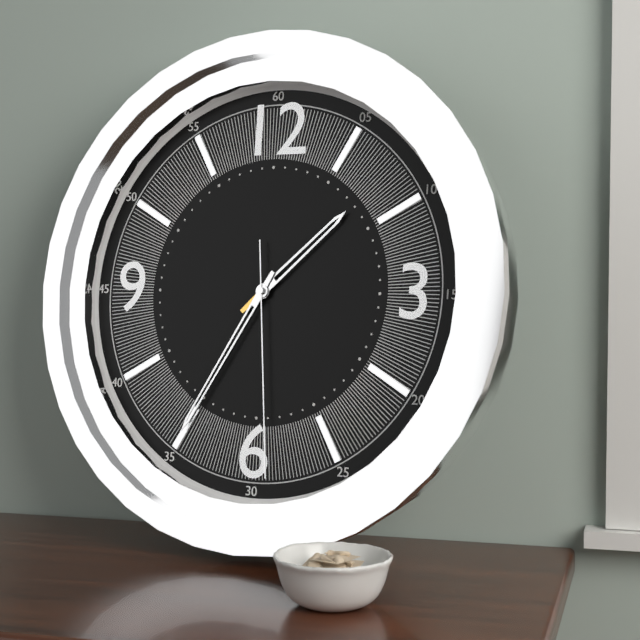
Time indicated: 1:35:29
